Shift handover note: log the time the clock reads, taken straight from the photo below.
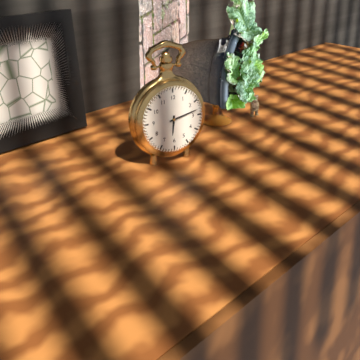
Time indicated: 6:13
